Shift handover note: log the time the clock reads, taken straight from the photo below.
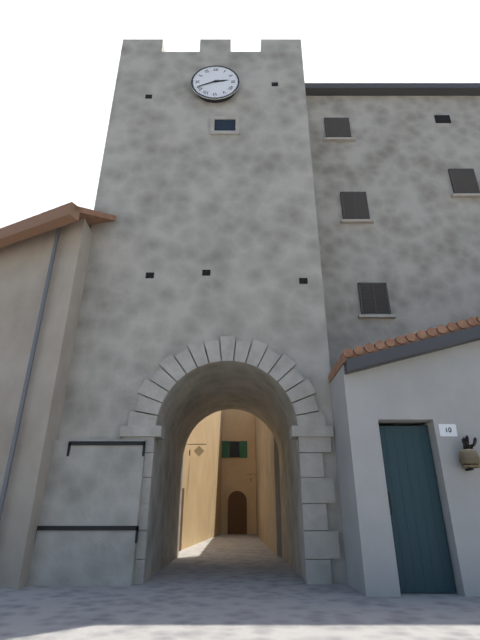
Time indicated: 2:41
